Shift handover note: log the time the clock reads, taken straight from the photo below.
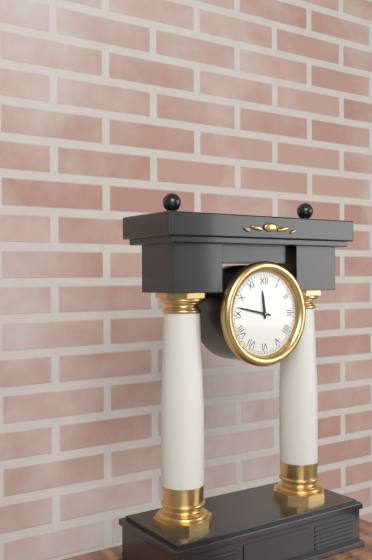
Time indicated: 11:47
